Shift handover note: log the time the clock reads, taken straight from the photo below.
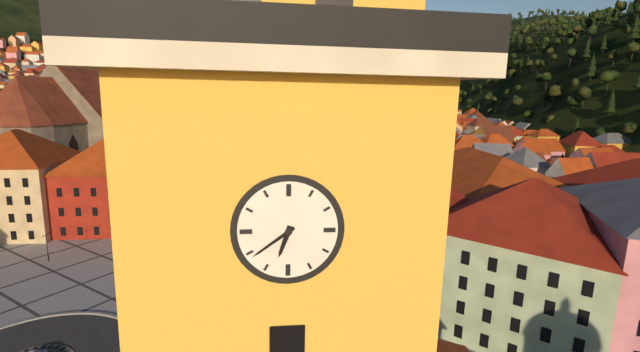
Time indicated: 6:39
